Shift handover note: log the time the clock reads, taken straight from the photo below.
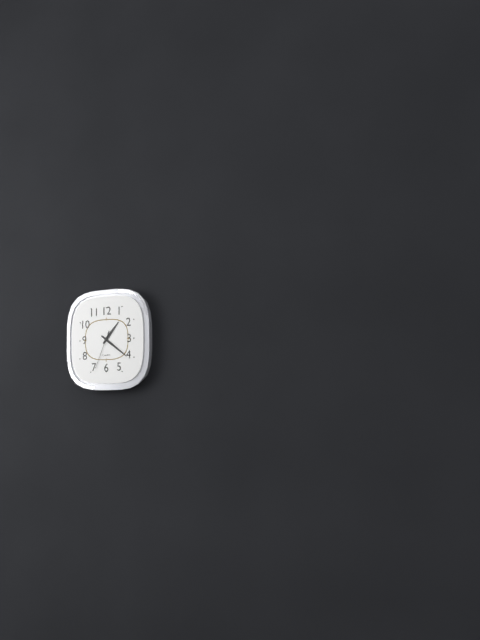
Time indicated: 1:21
